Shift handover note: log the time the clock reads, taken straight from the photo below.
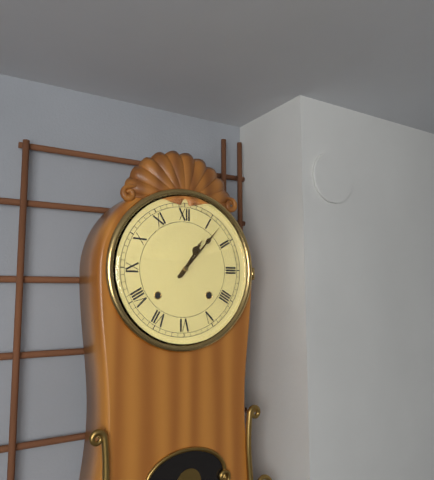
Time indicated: 1:07
